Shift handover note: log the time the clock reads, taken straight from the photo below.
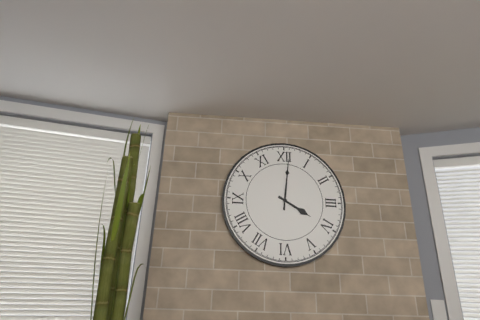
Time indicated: 4:01
